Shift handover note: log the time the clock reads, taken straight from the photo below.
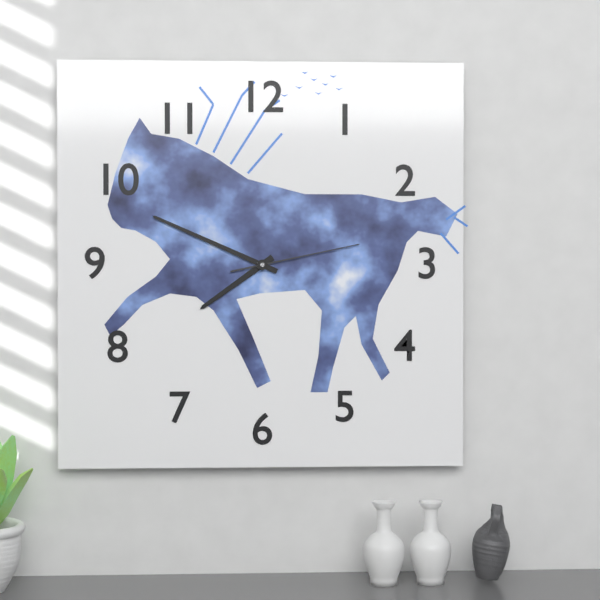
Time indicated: 7:49:13
